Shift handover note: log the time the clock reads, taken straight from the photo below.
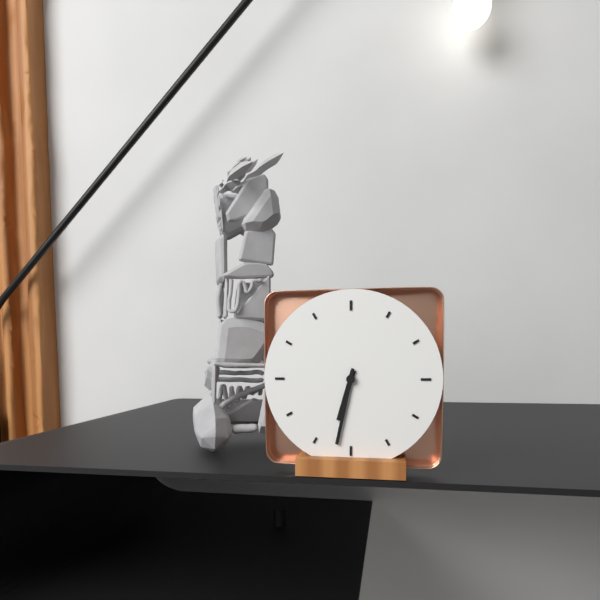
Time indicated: 6:32
